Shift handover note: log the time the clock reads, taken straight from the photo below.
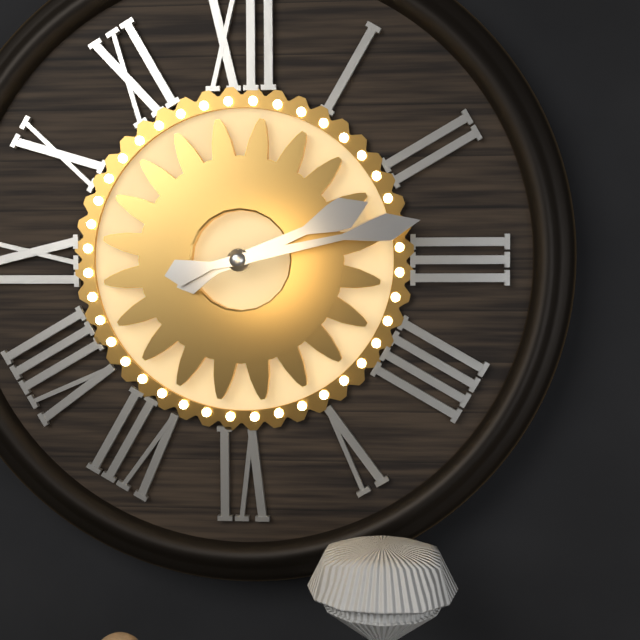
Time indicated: 2:13
